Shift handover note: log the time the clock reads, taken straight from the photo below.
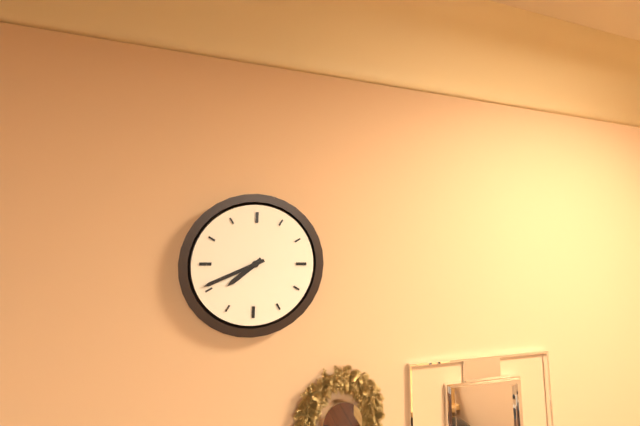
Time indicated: 7:41
